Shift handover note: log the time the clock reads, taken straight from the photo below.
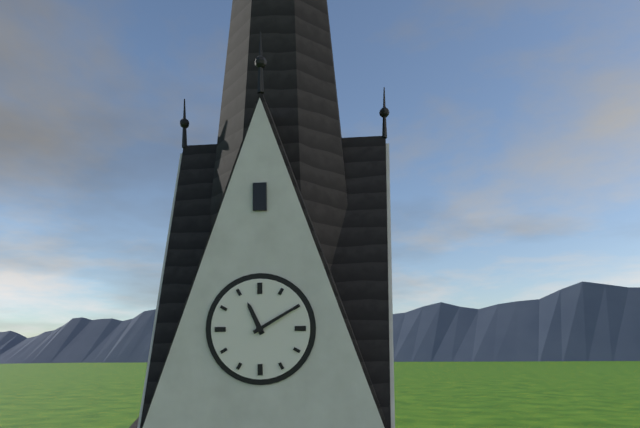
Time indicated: 11:10
